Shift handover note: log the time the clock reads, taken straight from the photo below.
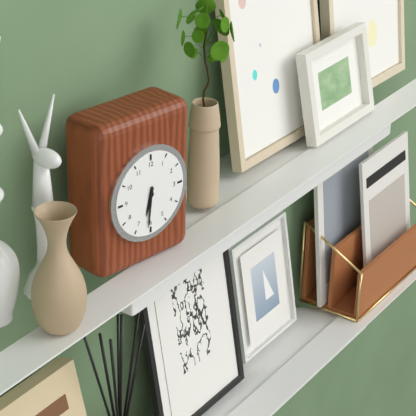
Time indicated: 6:31
